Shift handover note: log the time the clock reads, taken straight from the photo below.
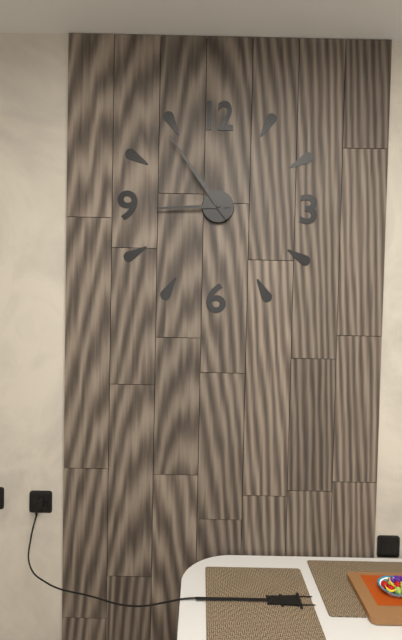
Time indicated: 8:54
